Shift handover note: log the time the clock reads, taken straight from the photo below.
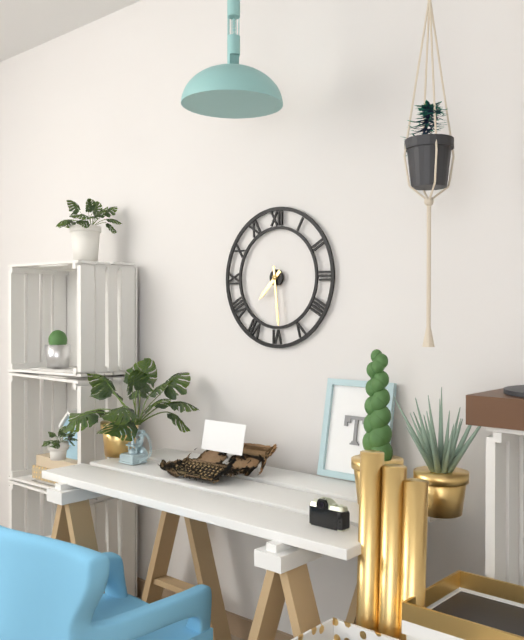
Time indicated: 7:29
